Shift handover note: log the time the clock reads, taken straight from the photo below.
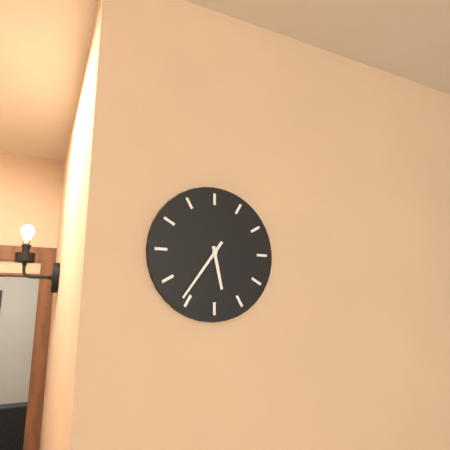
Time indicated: 5:36
